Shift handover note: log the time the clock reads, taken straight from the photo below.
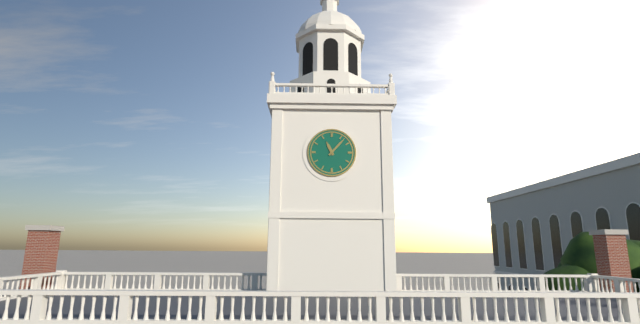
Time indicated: 11:07
